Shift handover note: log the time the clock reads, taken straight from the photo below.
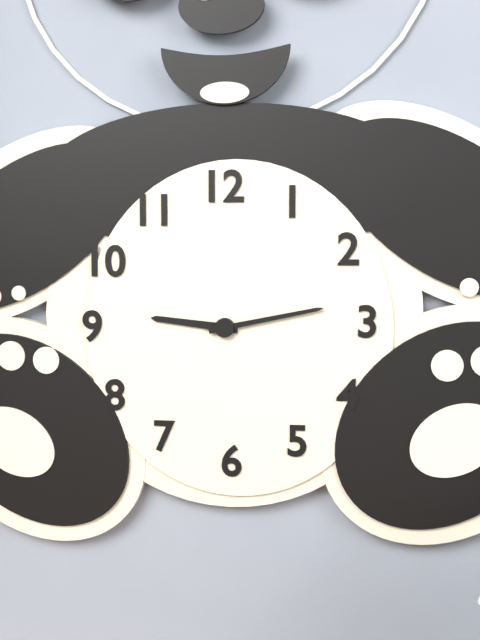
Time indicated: 9:13
